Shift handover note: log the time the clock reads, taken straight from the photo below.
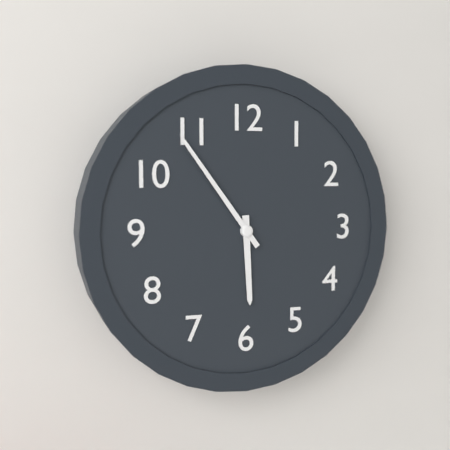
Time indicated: 5:54
